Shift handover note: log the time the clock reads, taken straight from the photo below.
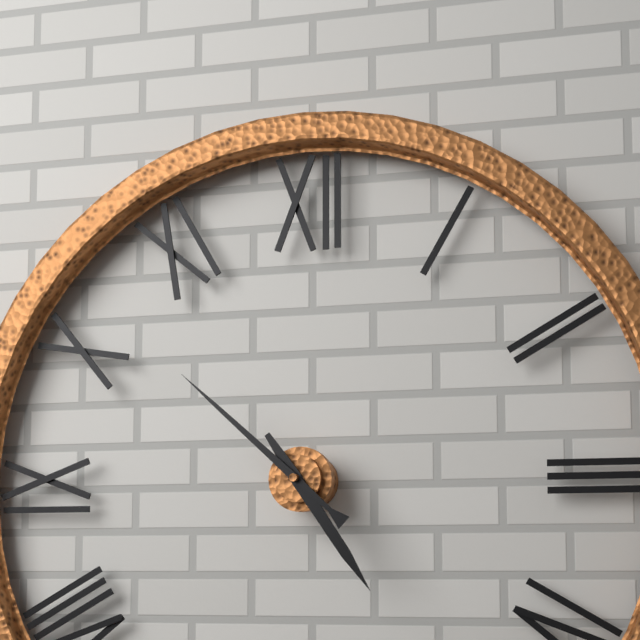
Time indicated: 4:52
